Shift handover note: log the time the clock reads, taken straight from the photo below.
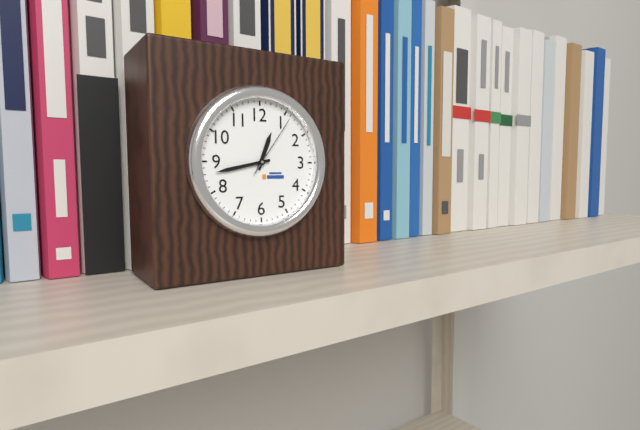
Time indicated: 12:43:06
